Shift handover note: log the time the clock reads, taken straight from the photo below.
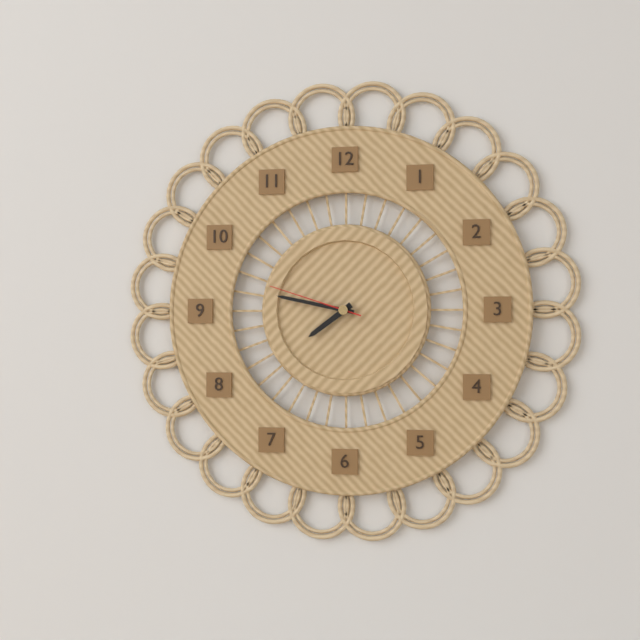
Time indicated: 7:47:48
